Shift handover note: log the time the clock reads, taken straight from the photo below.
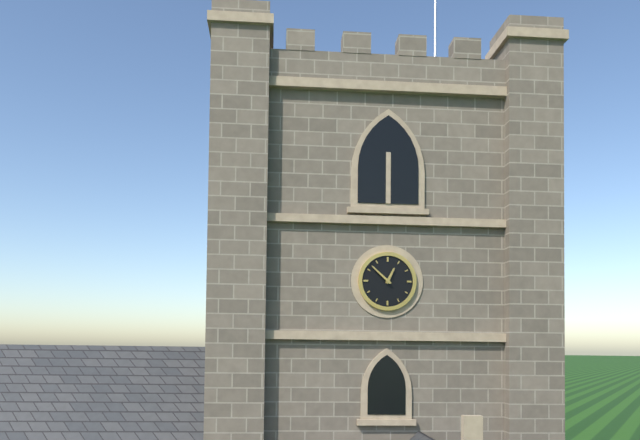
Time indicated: 12:52
